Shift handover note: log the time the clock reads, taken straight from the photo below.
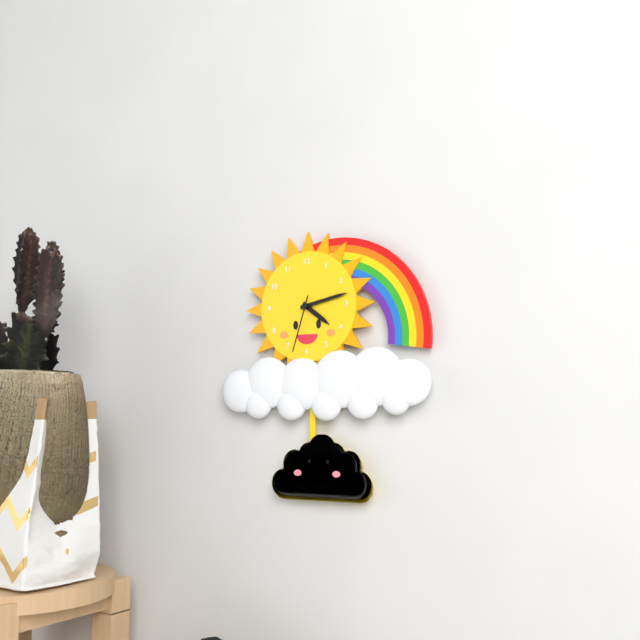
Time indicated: 4:13:33
